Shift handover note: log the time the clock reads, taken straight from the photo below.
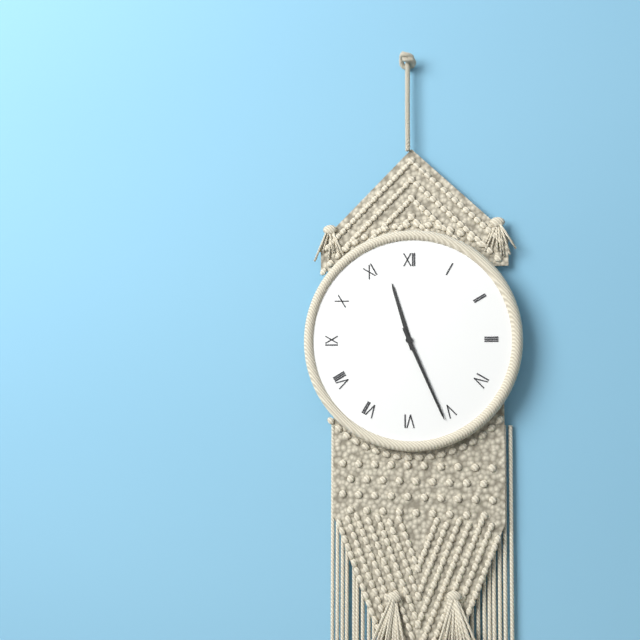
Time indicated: 11:26
